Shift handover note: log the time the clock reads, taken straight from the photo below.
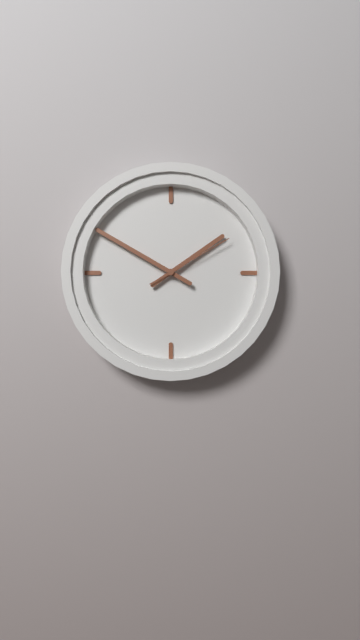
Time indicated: 1:50:10
